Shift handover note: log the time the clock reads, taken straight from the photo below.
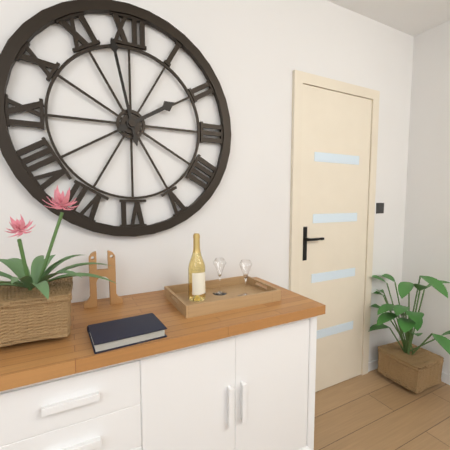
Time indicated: 1:58
